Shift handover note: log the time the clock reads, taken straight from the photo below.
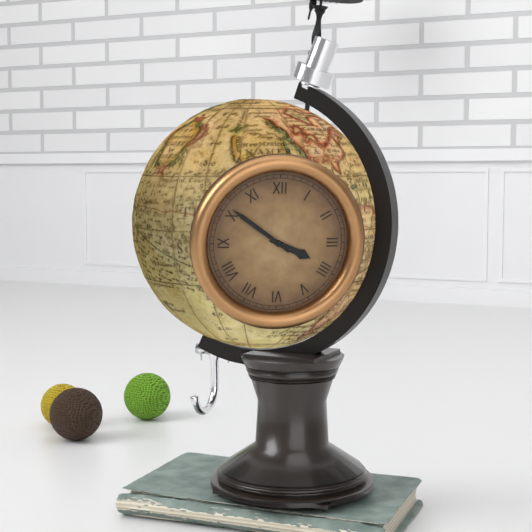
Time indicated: 3:51
